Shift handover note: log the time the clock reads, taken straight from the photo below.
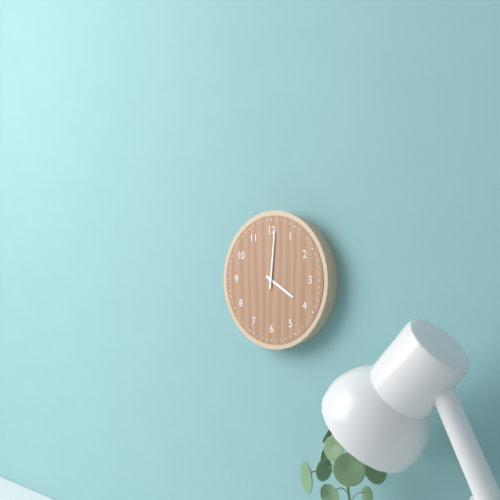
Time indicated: 4:01
